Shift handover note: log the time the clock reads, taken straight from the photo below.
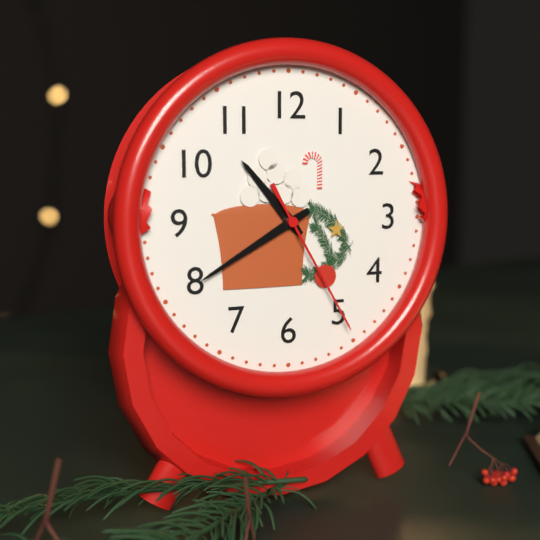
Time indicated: 10:40:25
